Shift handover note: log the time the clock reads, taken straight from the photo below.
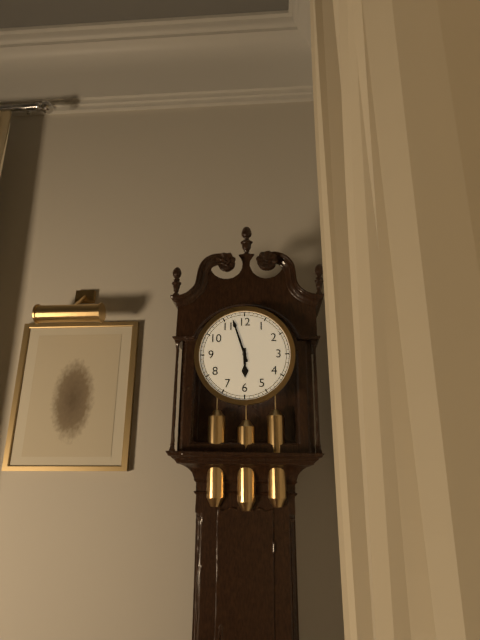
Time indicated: 5:57
